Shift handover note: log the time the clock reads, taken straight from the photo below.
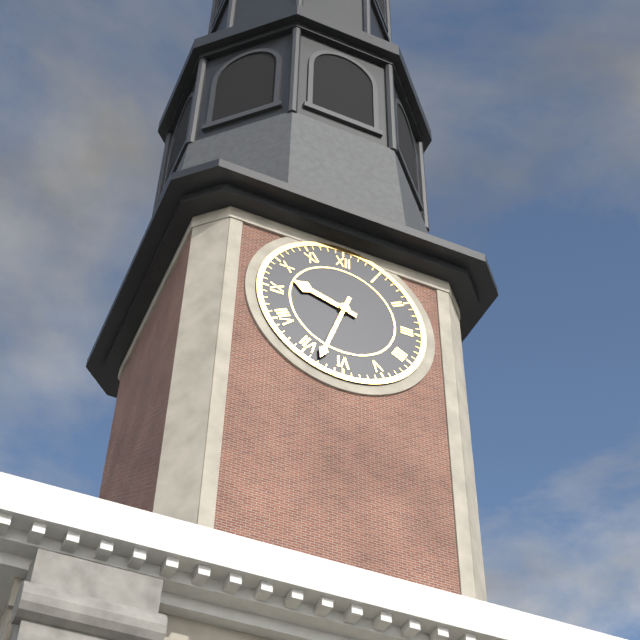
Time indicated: 9:33
